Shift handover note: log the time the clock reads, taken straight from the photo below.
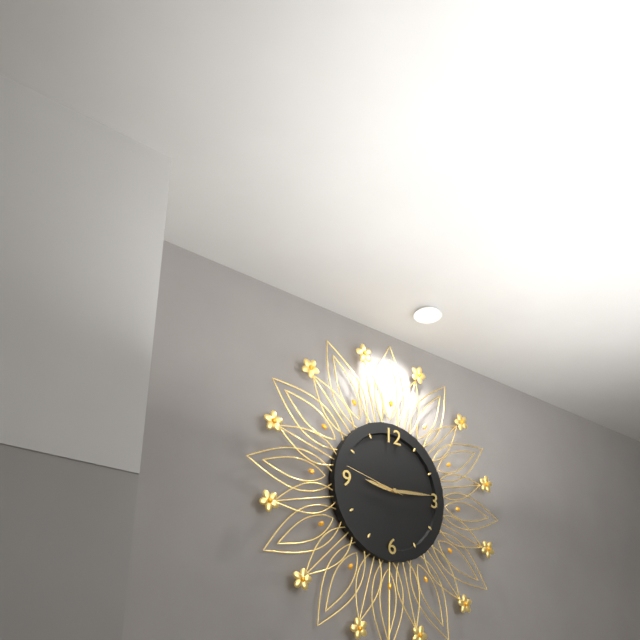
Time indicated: 9:14:47
